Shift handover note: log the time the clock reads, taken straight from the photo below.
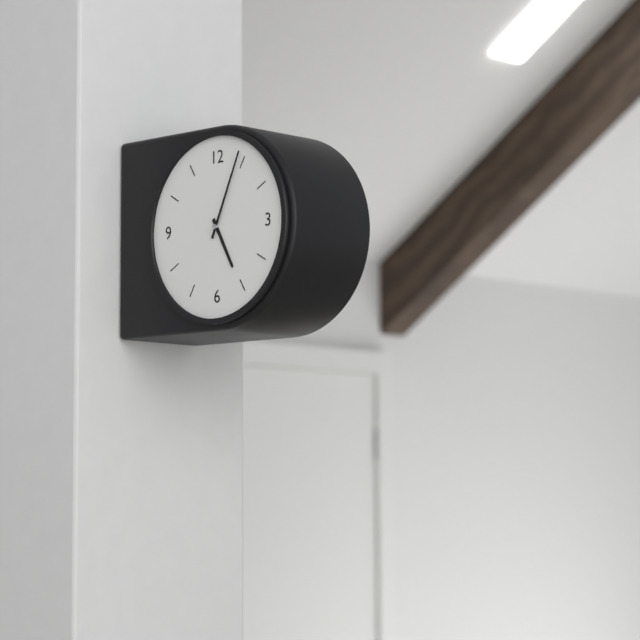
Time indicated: 5:04
